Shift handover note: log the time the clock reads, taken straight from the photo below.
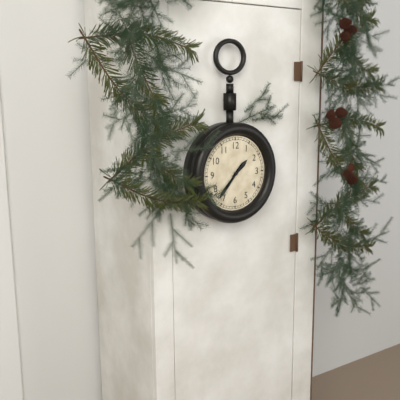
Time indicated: 1:37
